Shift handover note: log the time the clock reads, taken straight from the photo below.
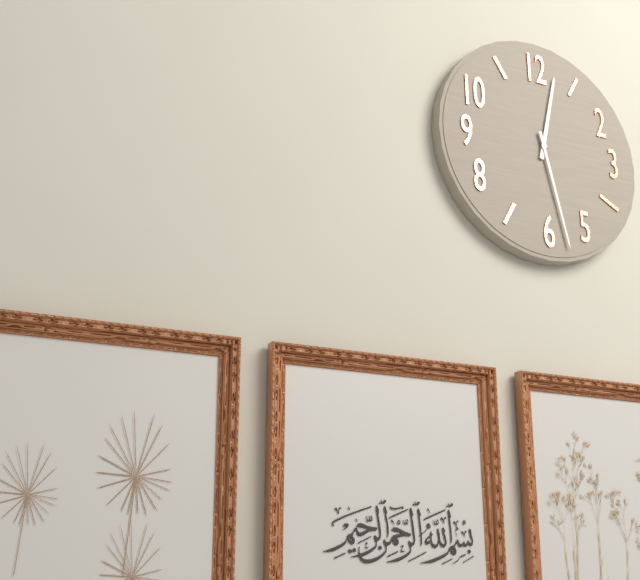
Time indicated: 12:28
